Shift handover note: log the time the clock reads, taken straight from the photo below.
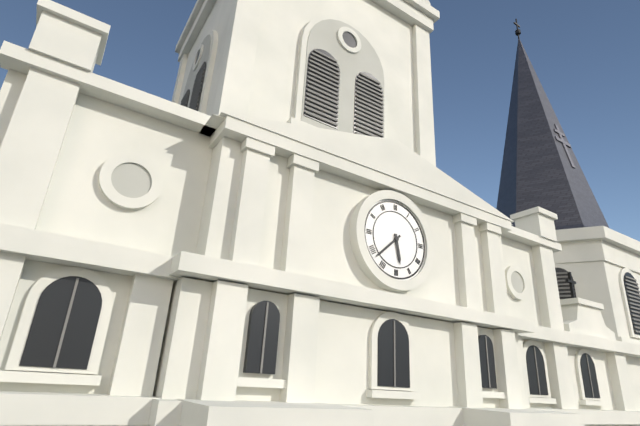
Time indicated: 5:38
